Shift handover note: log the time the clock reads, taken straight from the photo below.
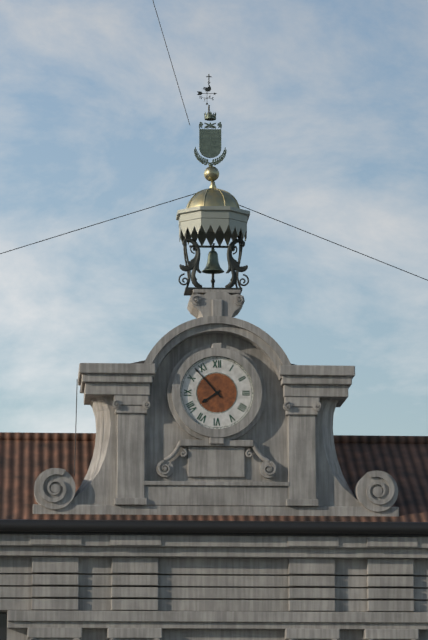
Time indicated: 7:53
